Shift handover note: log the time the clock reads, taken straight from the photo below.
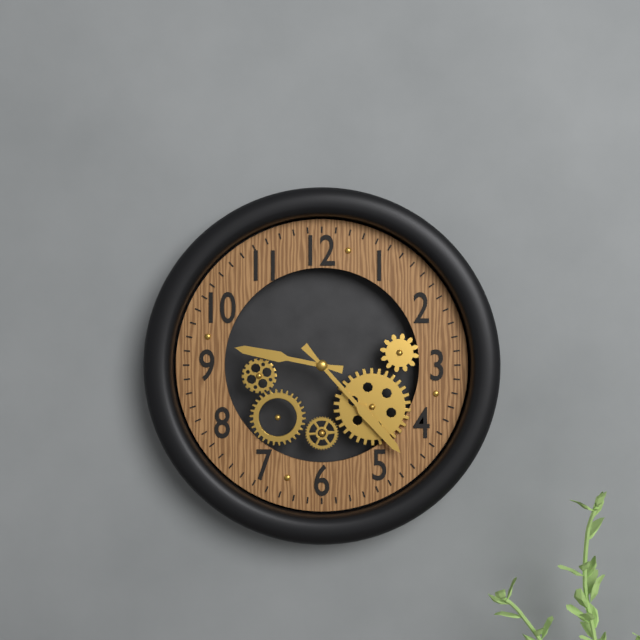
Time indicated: 9:23
